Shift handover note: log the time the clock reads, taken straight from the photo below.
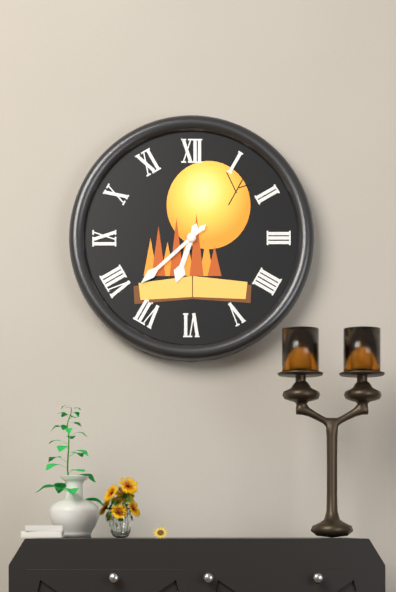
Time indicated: 6:38
